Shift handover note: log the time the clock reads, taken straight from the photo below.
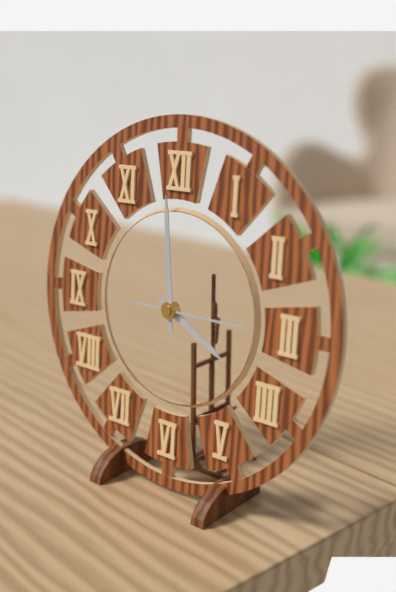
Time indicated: 3:59:15
